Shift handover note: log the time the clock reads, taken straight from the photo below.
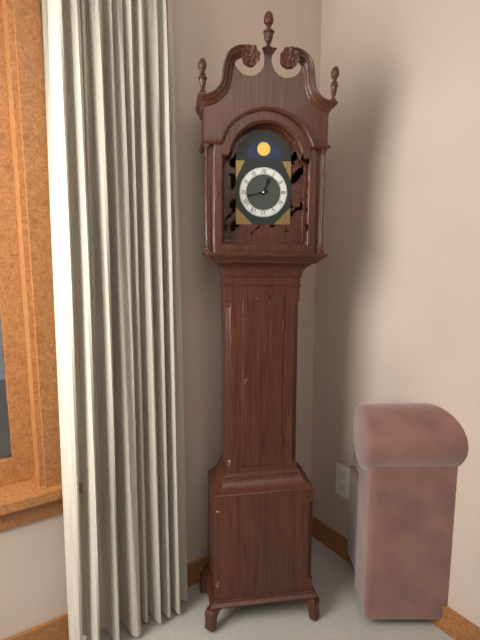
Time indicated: 12:43
